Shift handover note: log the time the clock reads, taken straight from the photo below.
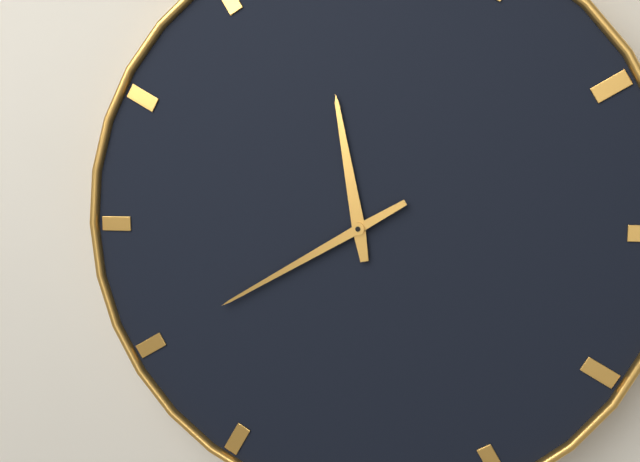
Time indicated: 11:40
